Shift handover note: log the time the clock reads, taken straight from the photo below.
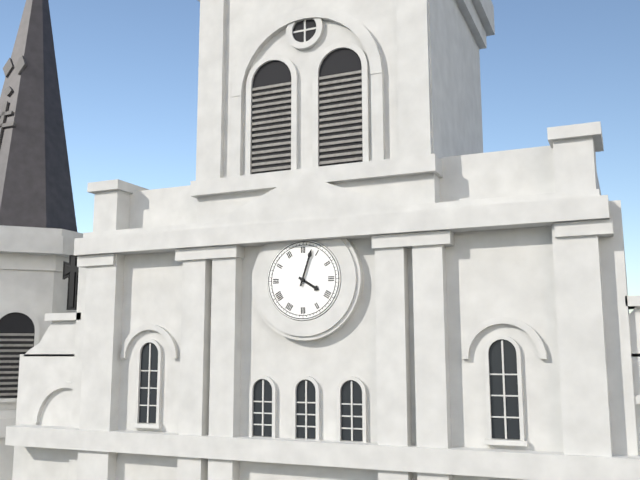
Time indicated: 4:03
